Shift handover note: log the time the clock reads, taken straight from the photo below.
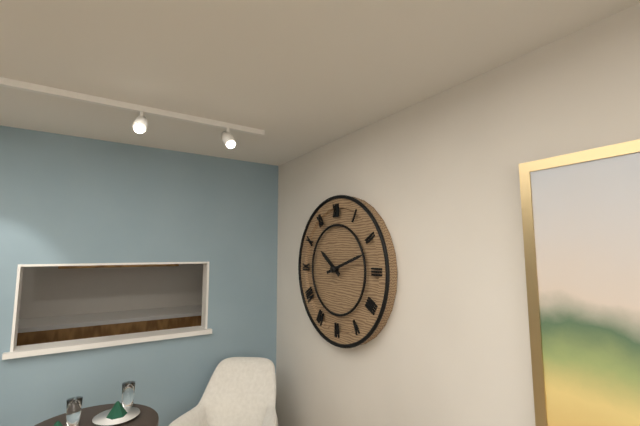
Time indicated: 10:12
